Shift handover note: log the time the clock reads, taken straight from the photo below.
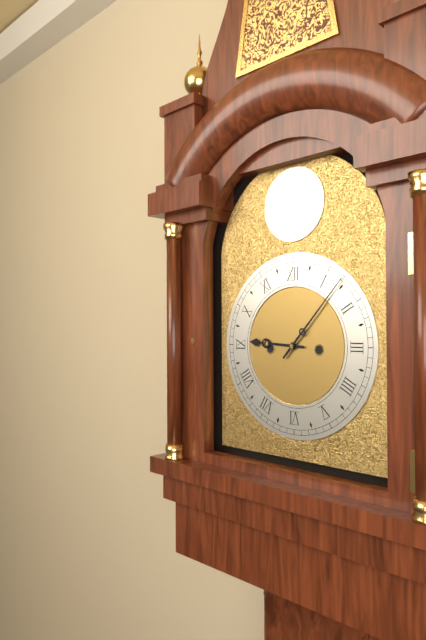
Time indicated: 9:07
